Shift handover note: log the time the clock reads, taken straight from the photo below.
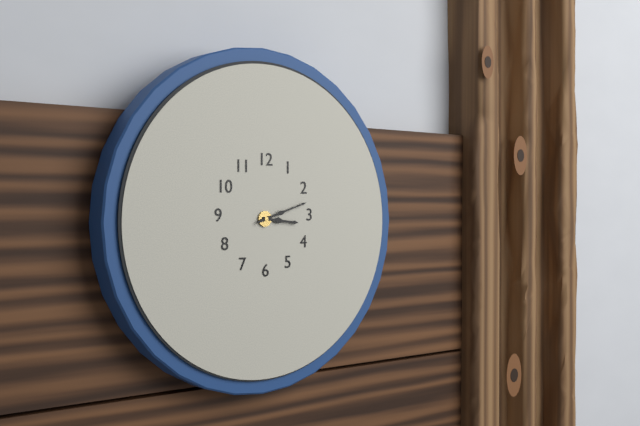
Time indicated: 3:12
